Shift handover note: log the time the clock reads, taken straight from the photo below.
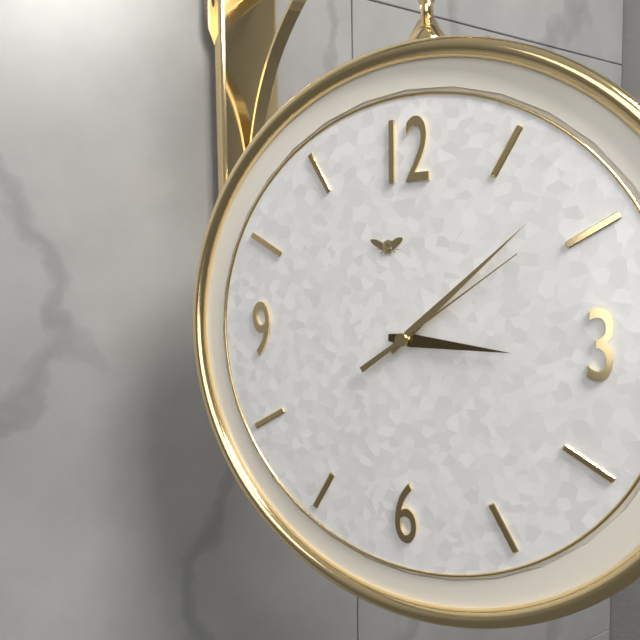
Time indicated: 3:08:09
